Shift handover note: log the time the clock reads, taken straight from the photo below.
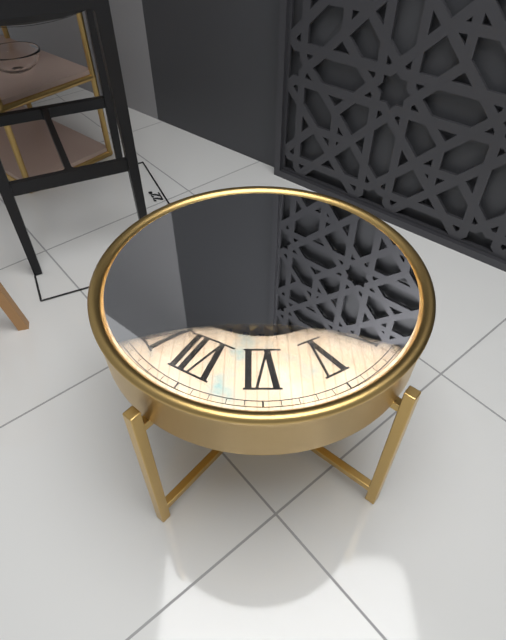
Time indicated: 11:07
